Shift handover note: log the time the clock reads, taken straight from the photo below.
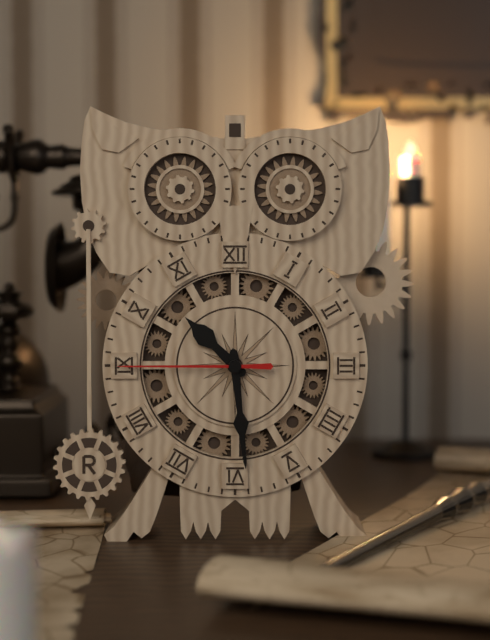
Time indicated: 10:29:45
